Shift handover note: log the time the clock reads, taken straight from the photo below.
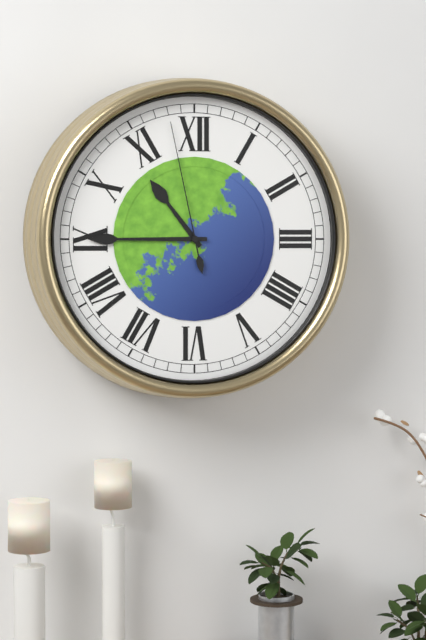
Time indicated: 10:45:58
